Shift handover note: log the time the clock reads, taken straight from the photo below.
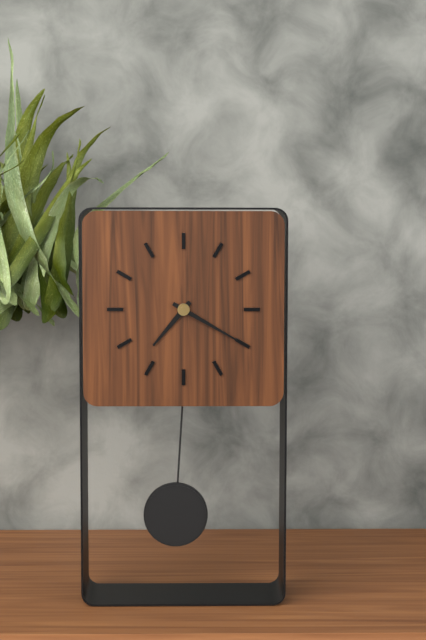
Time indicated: 7:20
